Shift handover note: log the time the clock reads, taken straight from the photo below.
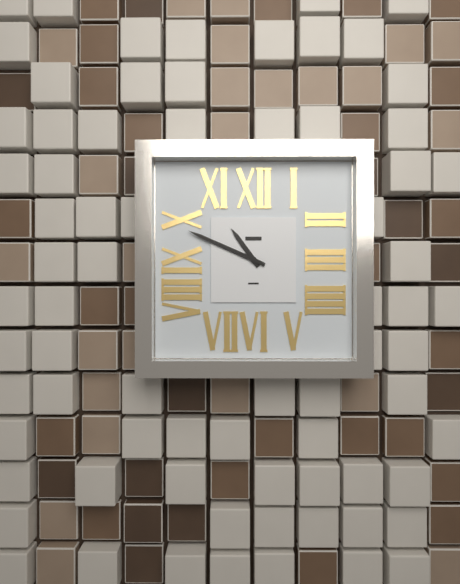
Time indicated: 10:49
